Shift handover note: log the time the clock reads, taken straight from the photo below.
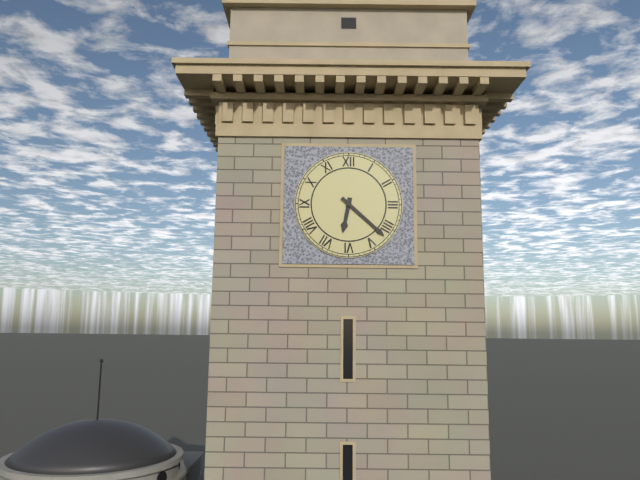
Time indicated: 6:22
